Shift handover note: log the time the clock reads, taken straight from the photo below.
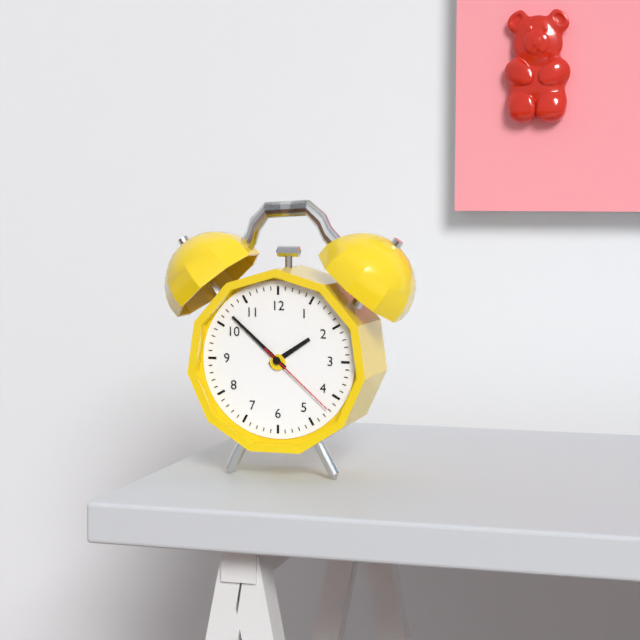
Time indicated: 1:52:22
